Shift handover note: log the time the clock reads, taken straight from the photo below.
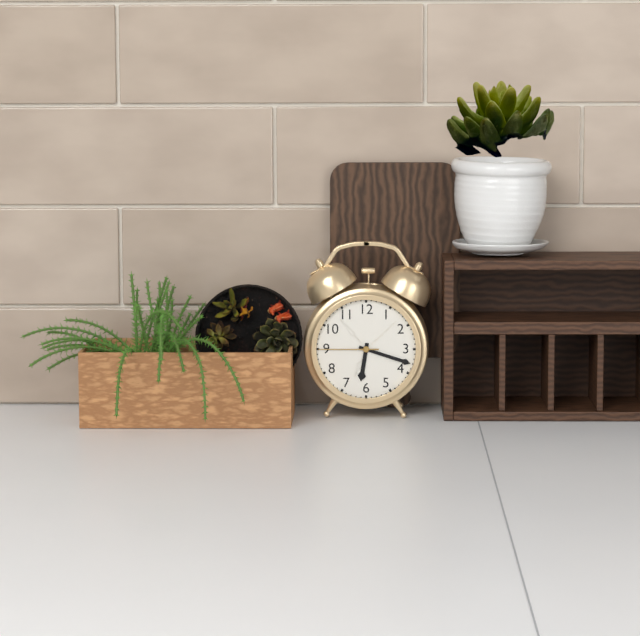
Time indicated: 6:18:45
